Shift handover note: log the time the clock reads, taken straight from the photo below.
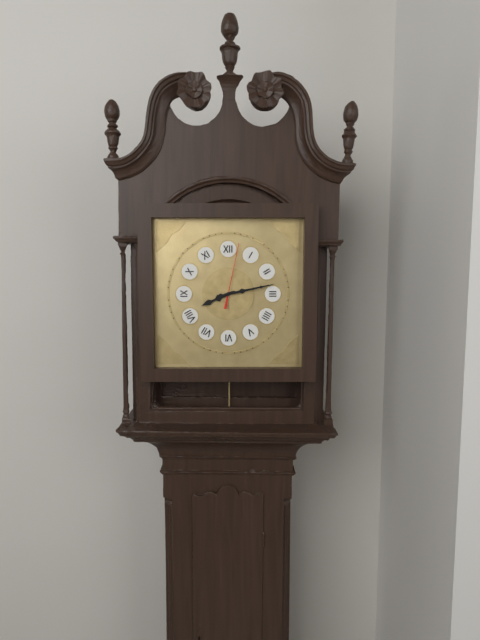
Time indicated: 8:13:02
